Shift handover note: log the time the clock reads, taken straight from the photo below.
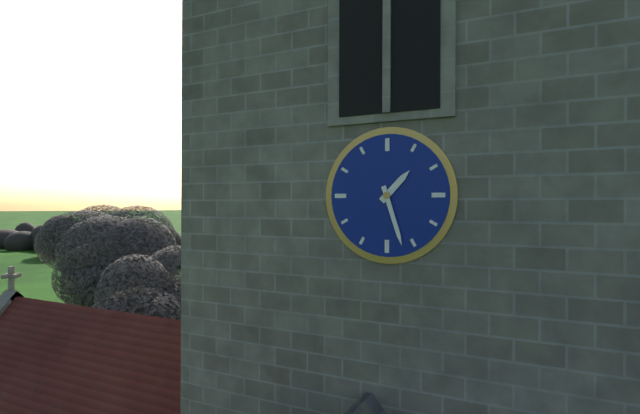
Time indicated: 1:27
